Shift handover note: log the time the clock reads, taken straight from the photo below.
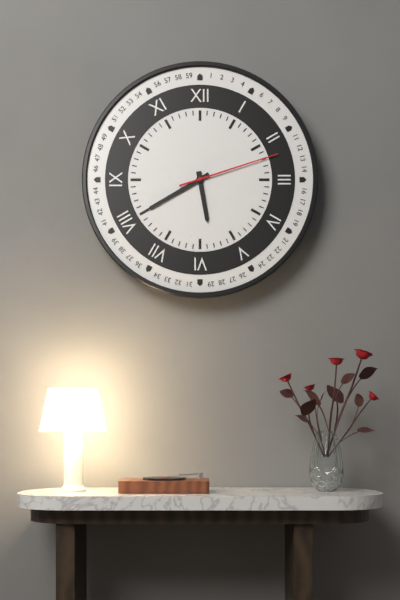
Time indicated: 5:40:12
